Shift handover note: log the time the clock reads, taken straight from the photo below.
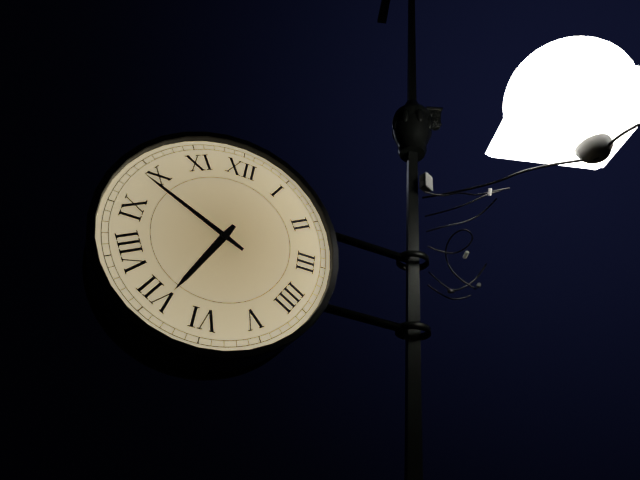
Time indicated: 6:49
